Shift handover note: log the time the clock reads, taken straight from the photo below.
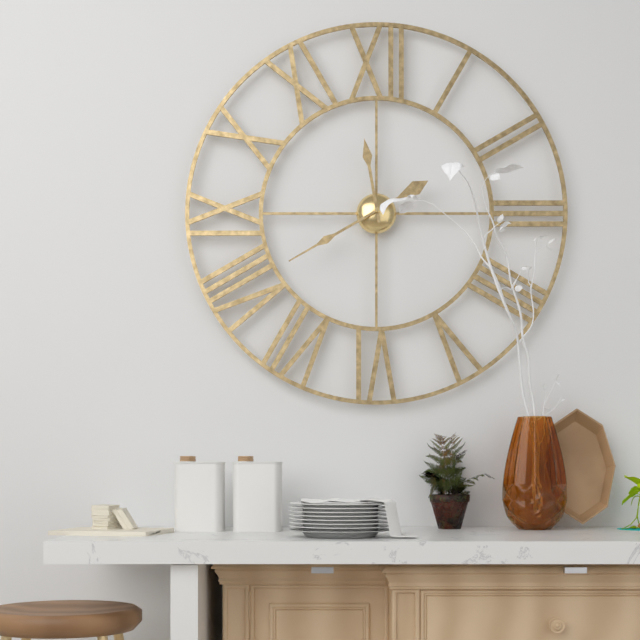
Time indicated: 11:40
